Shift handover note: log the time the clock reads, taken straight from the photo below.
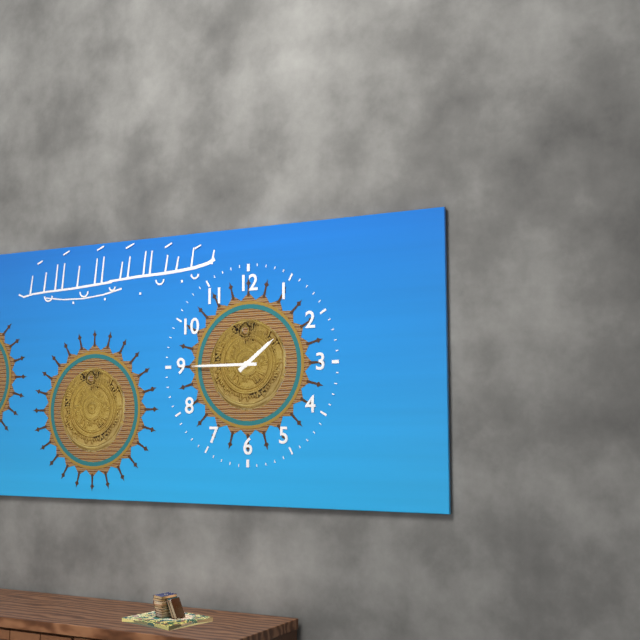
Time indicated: 1:45
